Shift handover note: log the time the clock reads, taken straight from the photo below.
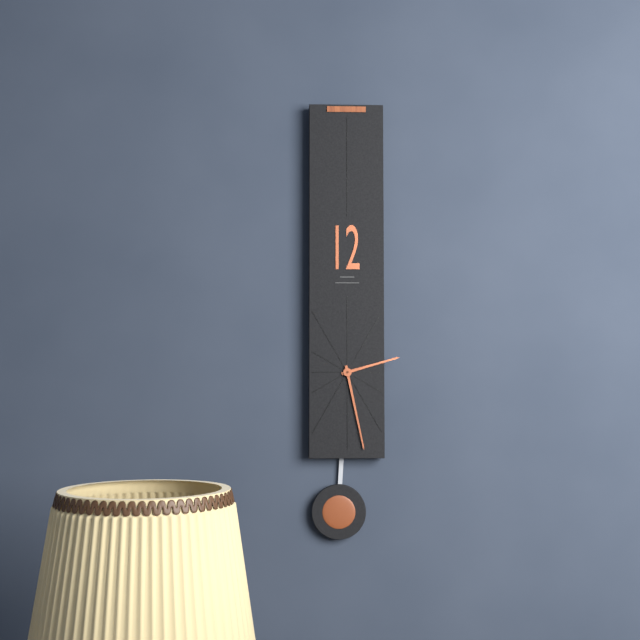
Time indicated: 2:28
